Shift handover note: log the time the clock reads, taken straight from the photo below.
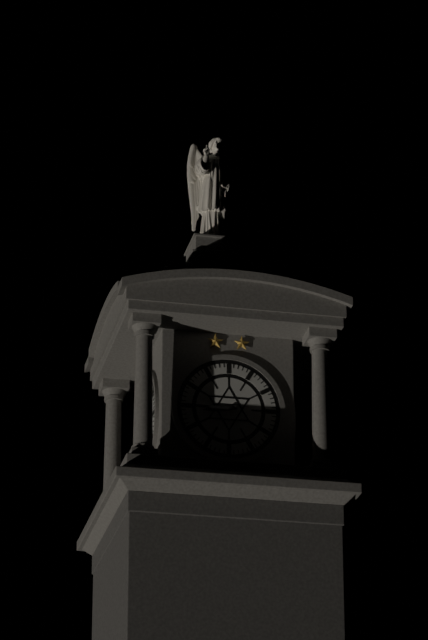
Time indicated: 8:45
